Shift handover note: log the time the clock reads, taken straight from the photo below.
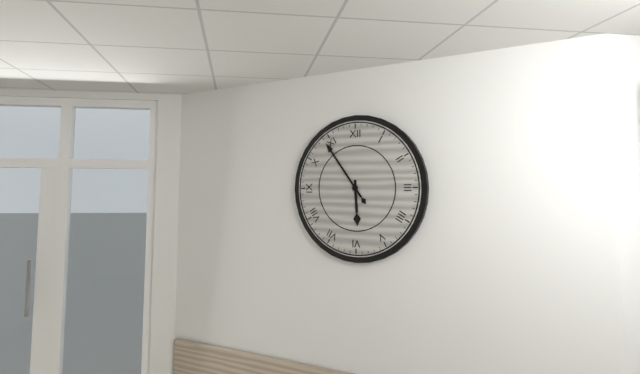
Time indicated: 5:54
